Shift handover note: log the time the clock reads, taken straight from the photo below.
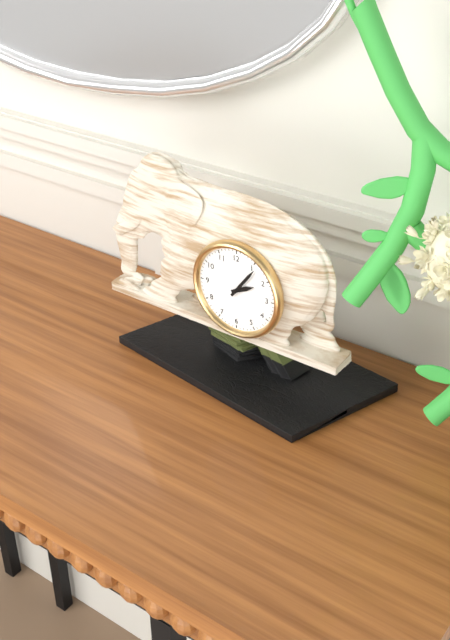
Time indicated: 2:06
